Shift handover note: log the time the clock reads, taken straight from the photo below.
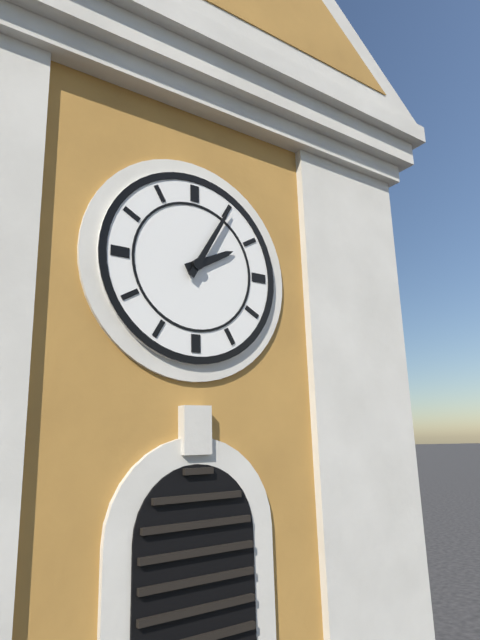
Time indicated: 2:05
